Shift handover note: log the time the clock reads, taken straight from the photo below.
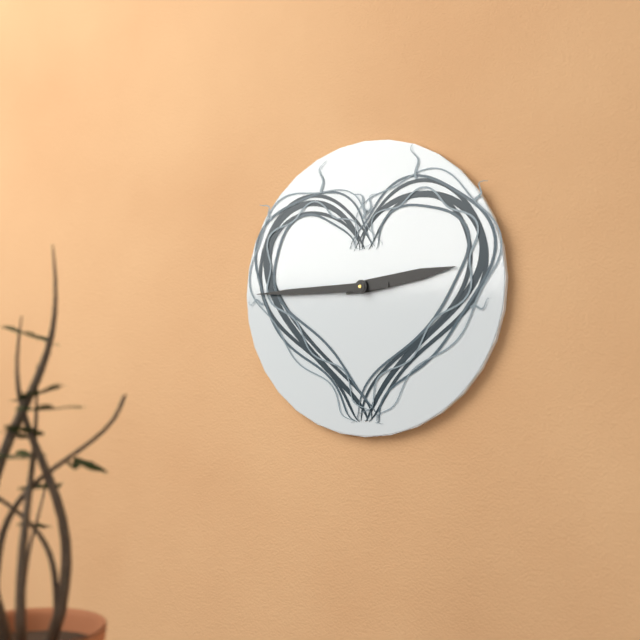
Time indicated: 2:45
